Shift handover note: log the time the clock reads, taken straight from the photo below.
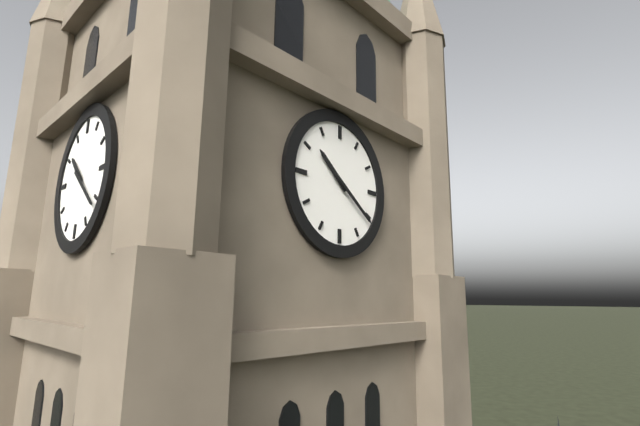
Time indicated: 10:21
